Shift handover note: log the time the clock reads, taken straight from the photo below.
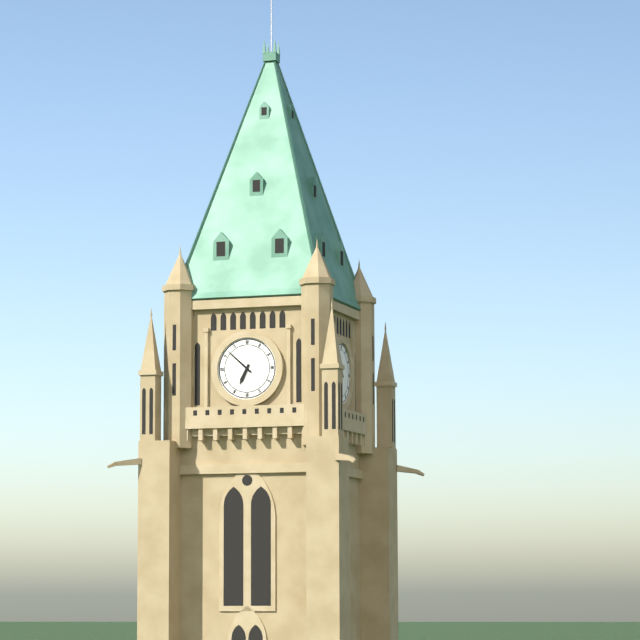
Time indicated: 6:52
